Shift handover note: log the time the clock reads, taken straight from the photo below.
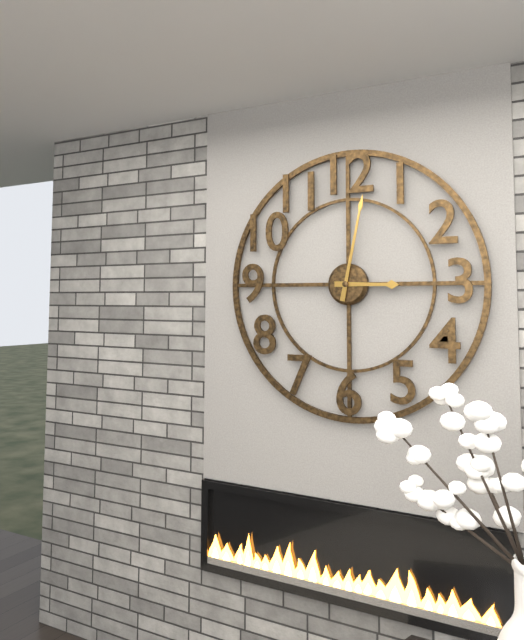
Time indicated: 3:02
